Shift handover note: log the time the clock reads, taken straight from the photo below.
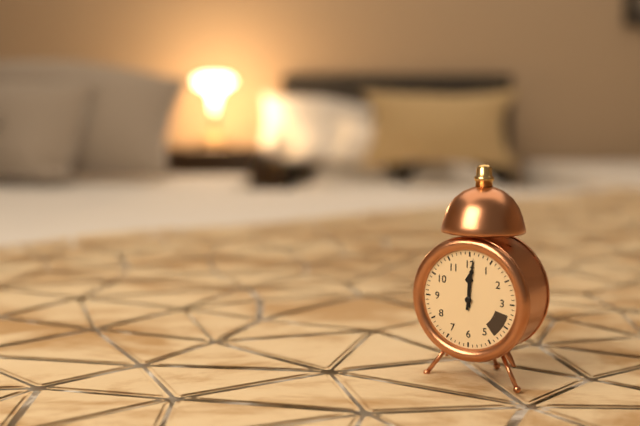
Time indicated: 12:01
